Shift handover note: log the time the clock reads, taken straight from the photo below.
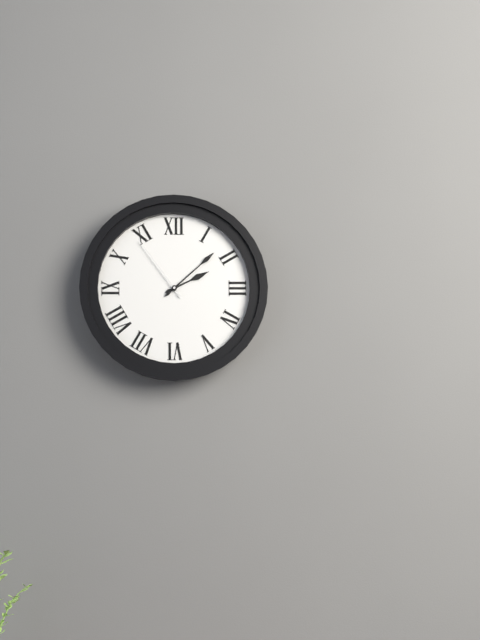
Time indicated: 2:08:54
